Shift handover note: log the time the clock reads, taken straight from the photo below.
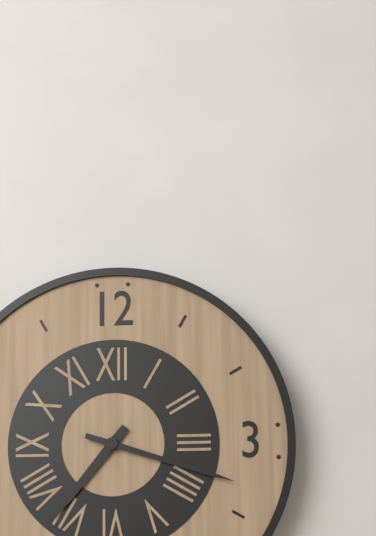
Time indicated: 7:18
